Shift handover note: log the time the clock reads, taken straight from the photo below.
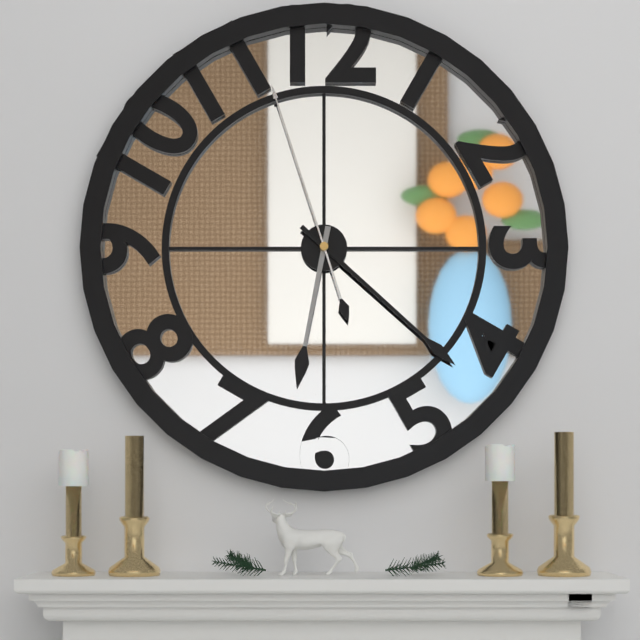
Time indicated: 6:22:57
